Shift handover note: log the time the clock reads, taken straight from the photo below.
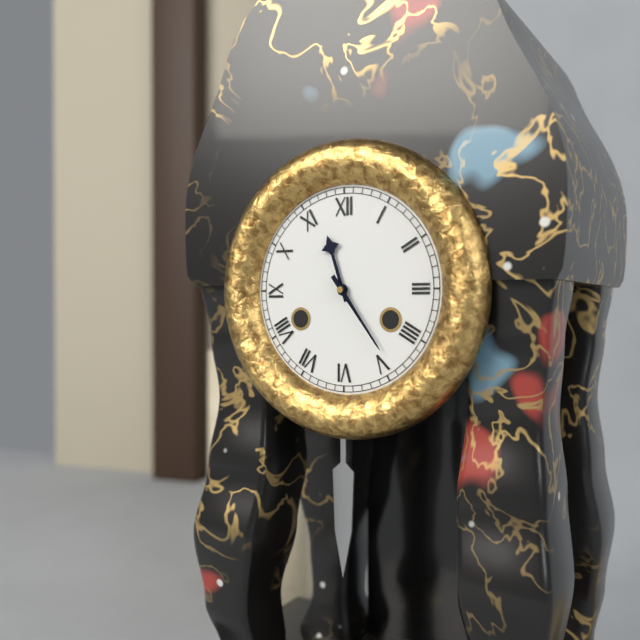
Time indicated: 11:24
